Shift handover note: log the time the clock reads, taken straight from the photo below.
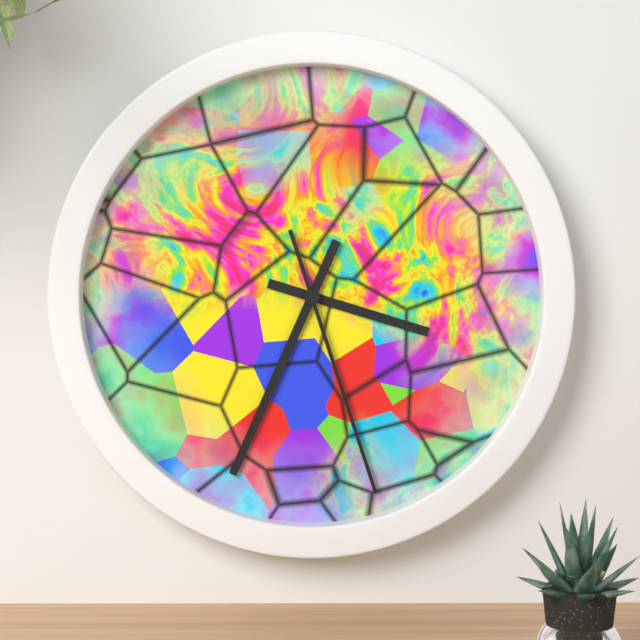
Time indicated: 3:34:27
